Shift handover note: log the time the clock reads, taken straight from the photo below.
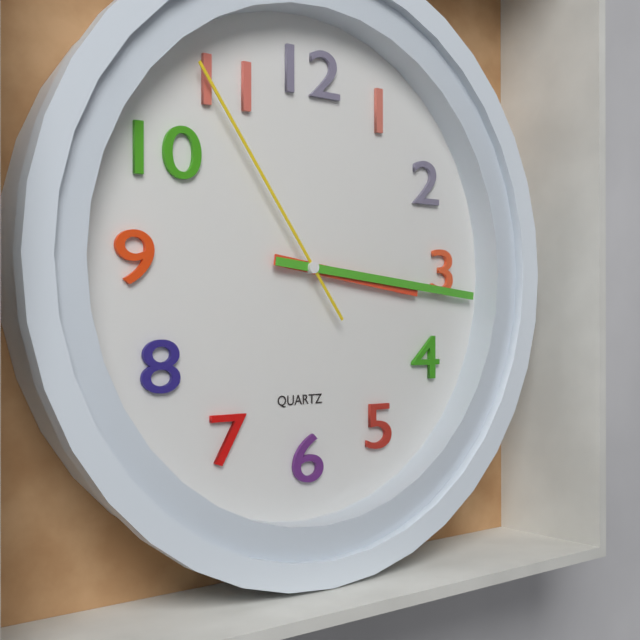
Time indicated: 3:16:54
